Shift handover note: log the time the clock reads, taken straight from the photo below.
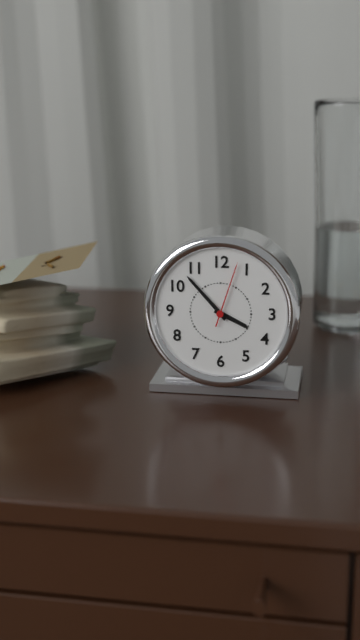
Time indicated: 3:53:03
